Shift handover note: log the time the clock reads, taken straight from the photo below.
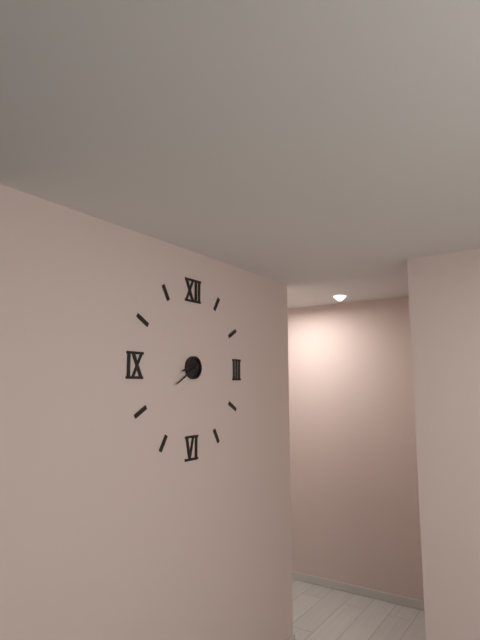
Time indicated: 8:40
